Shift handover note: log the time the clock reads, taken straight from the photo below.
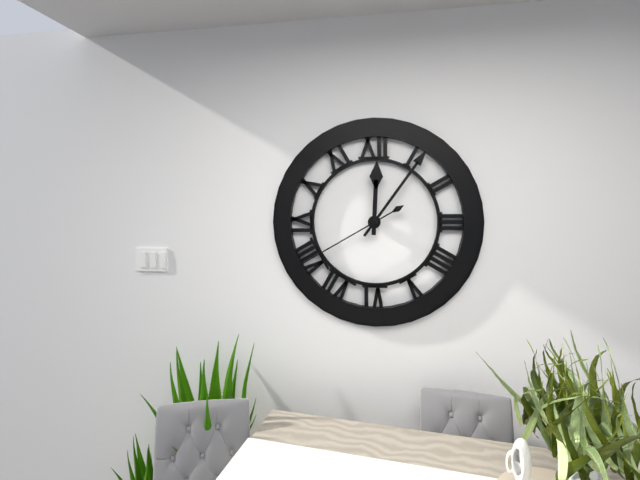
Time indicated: 12:06:40
